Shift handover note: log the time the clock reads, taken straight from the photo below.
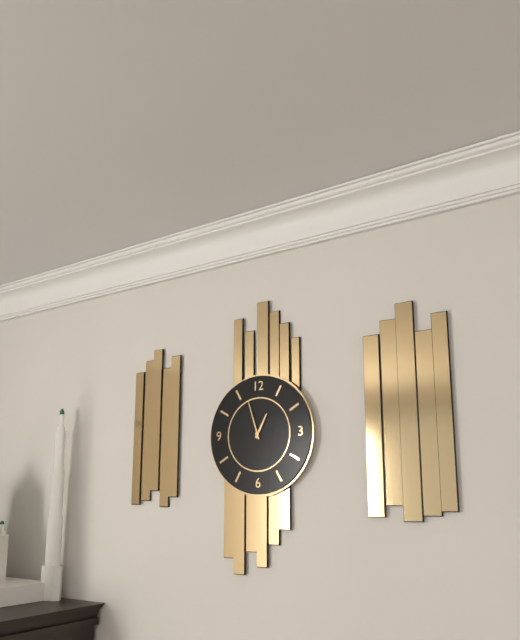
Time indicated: 12:57
